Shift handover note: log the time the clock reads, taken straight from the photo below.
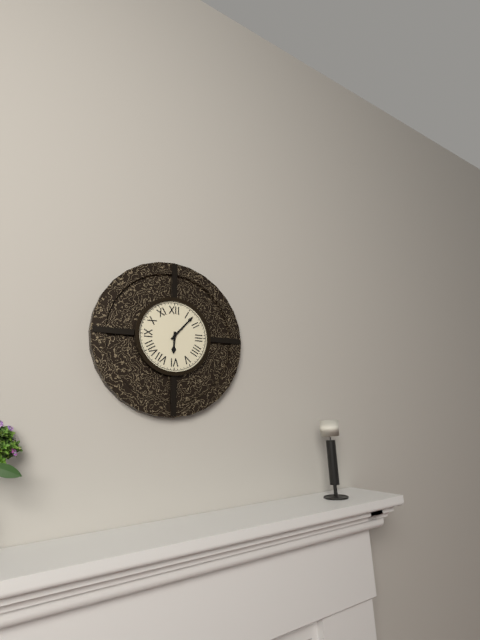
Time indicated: 6:07
